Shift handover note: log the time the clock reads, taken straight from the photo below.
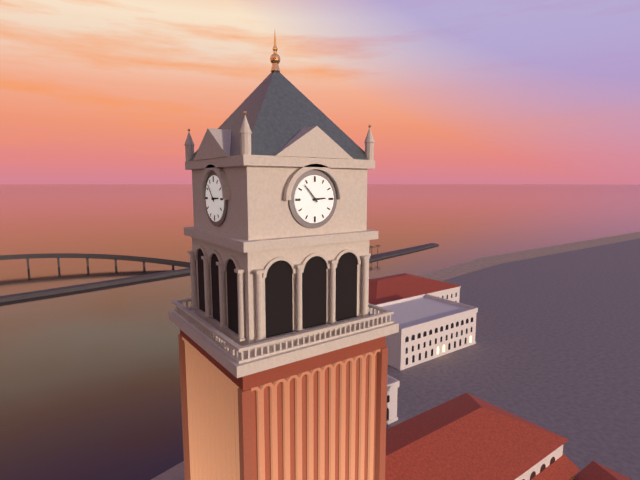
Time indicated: 2:53
